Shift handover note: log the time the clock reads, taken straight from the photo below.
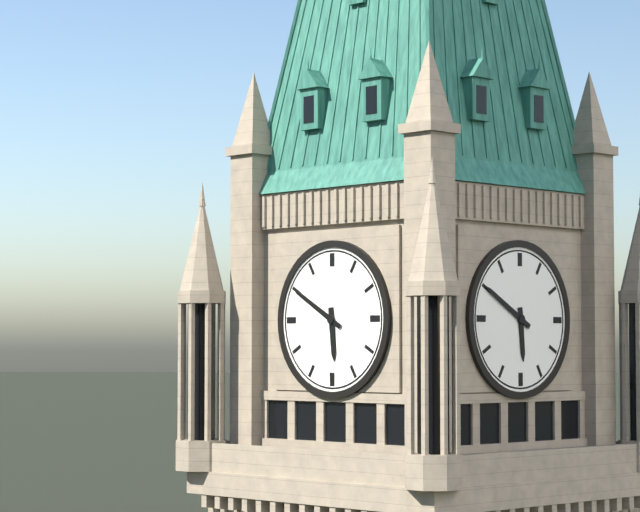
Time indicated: 5:50
